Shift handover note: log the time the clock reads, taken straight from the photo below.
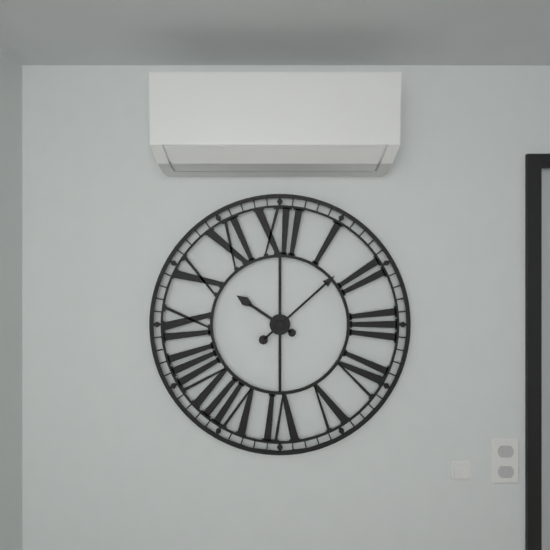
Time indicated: 10:08
